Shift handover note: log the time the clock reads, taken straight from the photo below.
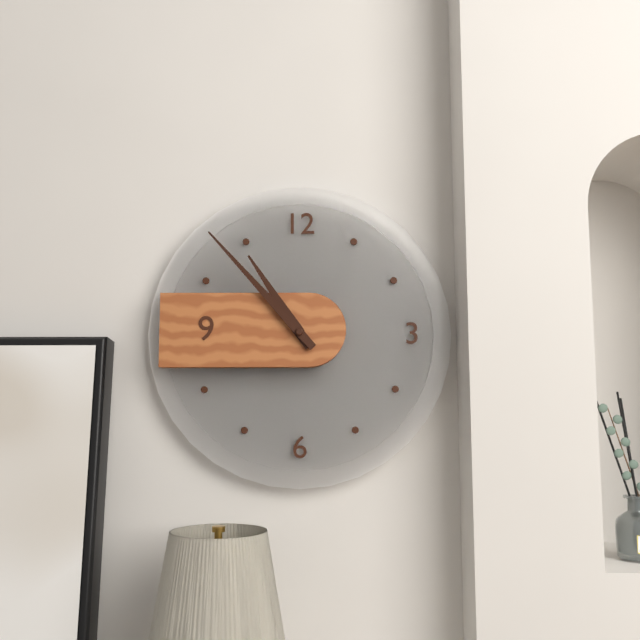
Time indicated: 10:53
